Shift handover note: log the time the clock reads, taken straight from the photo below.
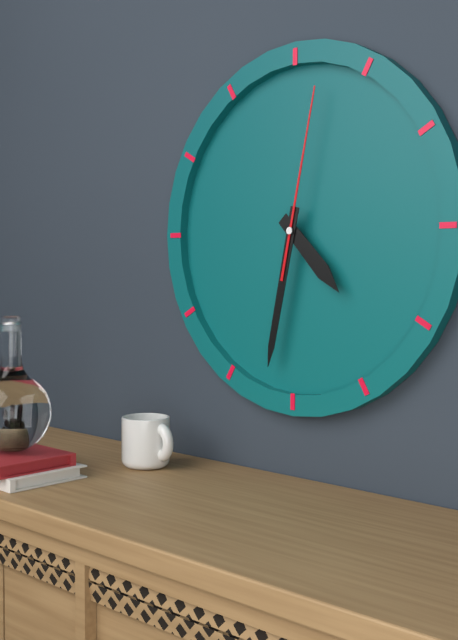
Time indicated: 4:32:02
